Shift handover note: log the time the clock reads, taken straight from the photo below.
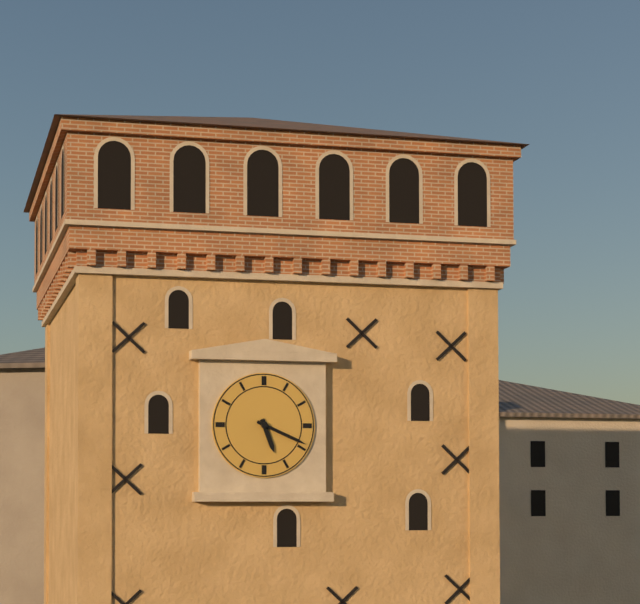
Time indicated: 5:19
